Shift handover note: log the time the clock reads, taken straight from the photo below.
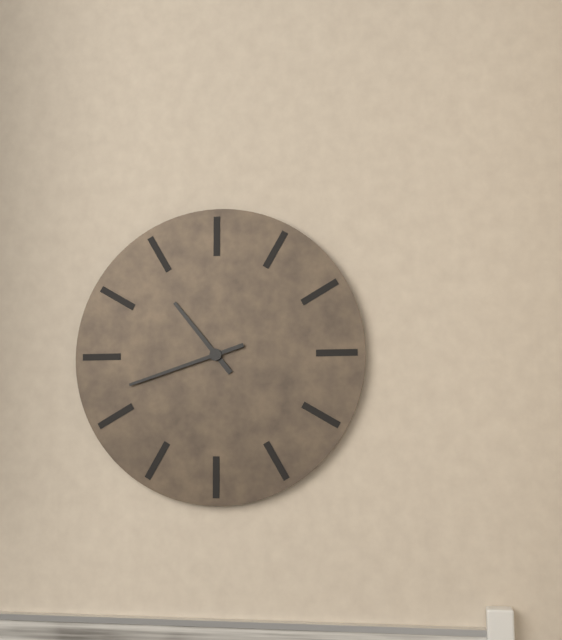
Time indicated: 10:42
